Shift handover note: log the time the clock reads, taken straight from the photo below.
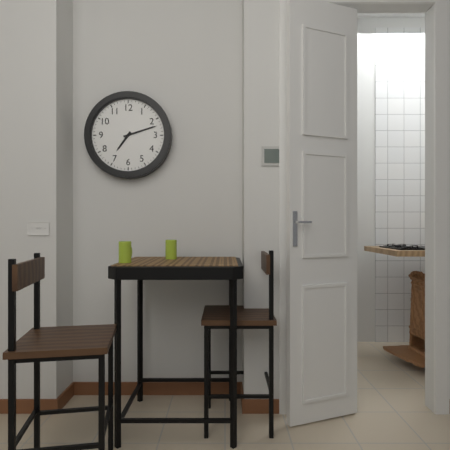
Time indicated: 7:12
